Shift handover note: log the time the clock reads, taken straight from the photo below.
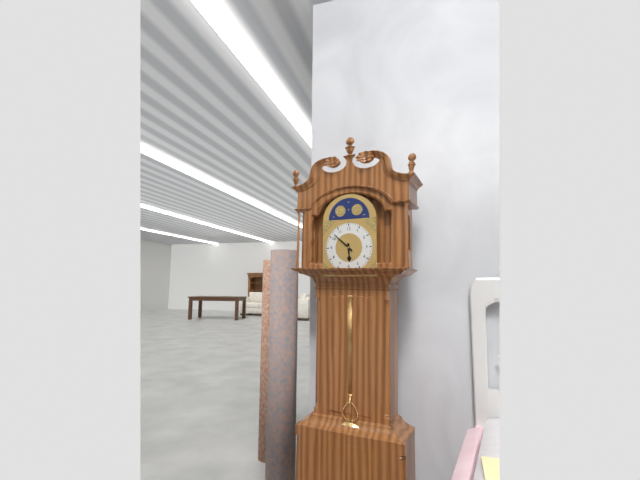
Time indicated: 5:52
